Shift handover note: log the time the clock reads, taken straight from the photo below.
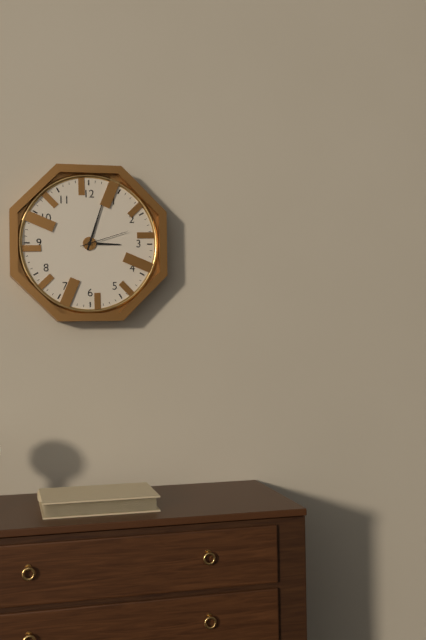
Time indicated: 3:03:12
